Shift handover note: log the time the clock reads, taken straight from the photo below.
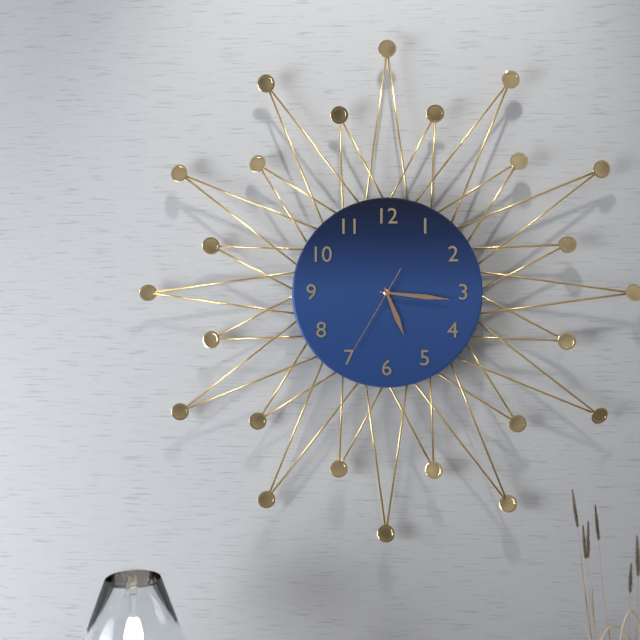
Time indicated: 5:16:35
